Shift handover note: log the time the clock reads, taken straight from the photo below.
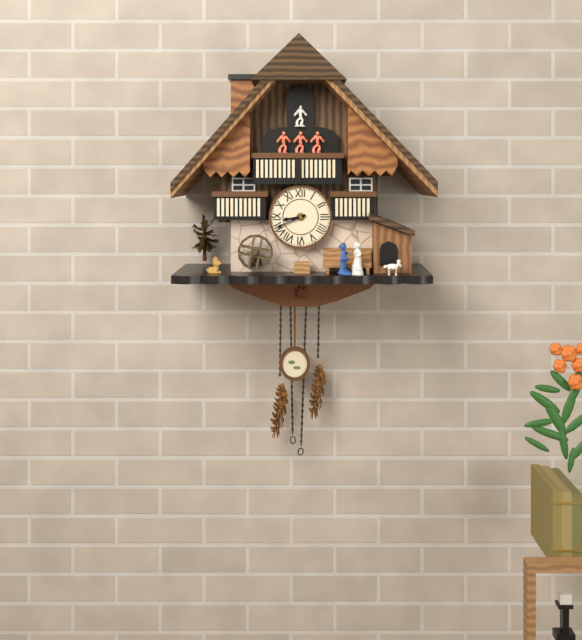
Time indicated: 8:41
